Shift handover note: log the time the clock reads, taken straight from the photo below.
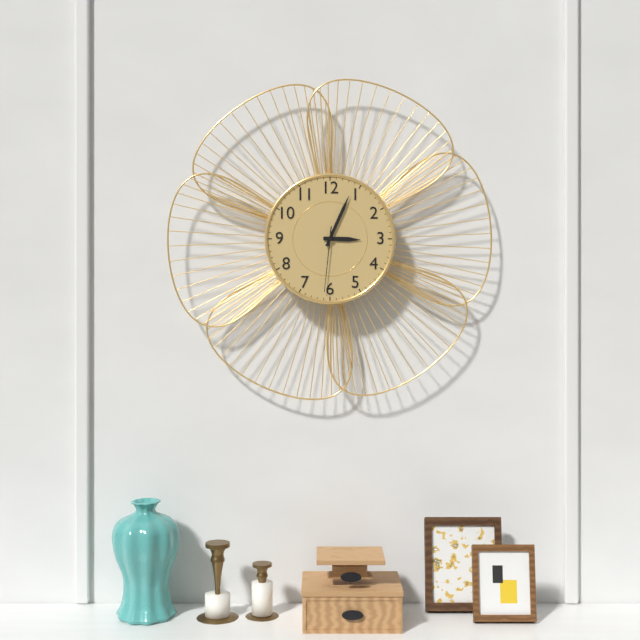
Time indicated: 3:04:31
